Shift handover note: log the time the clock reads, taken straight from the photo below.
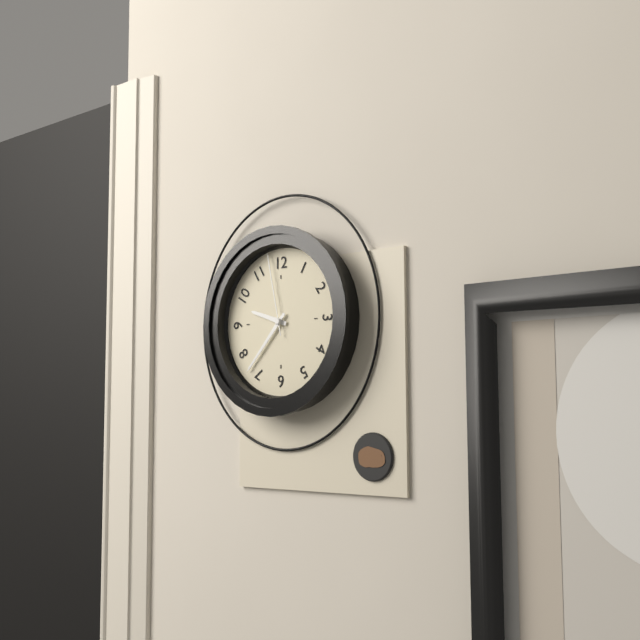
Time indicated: 9:37:58
